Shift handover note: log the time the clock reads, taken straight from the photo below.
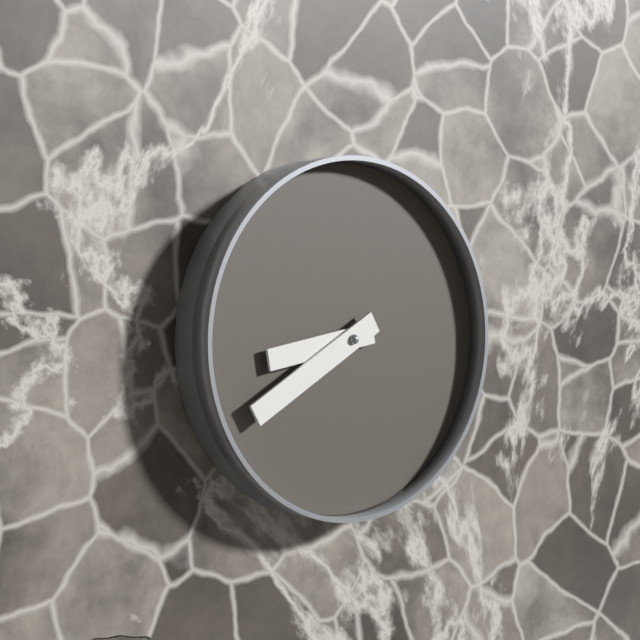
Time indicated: 8:40
